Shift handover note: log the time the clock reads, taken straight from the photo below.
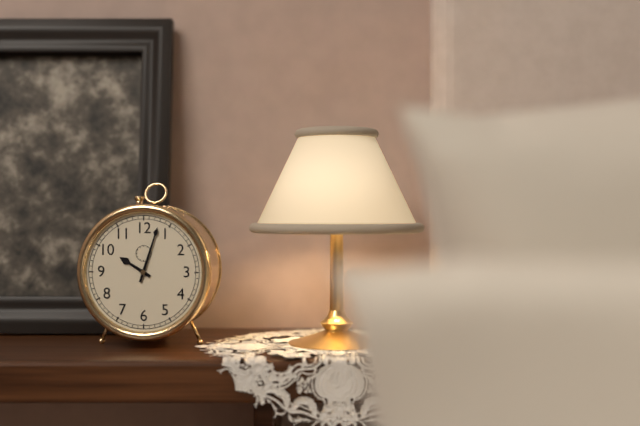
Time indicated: 10:03
